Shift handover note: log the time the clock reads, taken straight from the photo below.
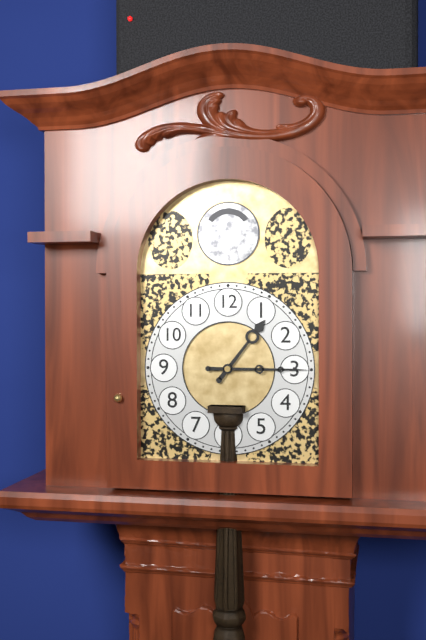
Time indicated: 1:15
